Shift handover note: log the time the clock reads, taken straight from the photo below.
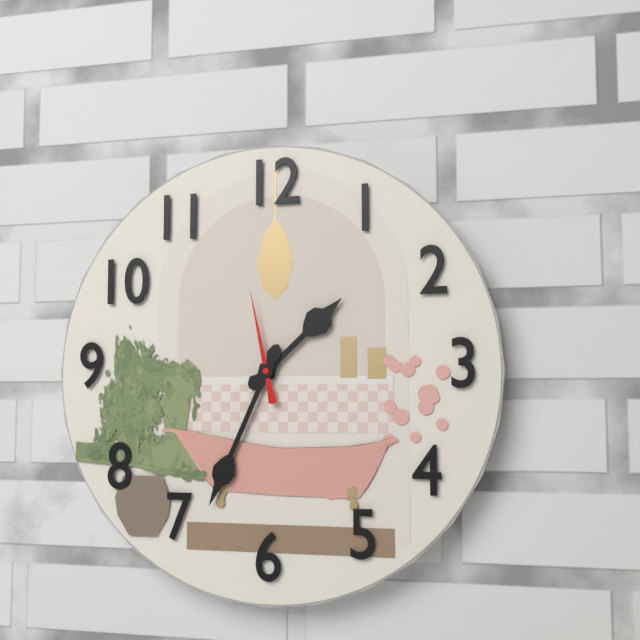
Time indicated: 1:34:58
